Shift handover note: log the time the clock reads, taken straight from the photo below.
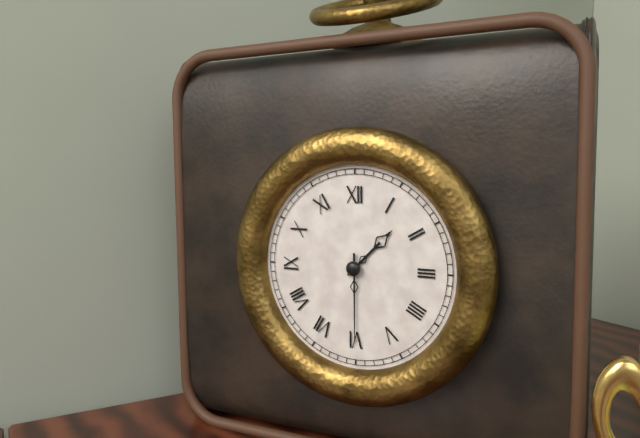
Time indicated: 1:30
